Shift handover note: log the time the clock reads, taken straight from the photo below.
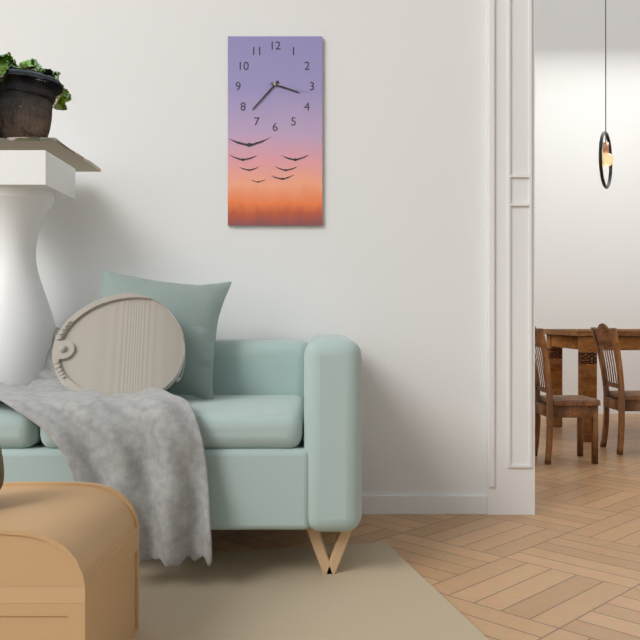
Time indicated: 3:37
